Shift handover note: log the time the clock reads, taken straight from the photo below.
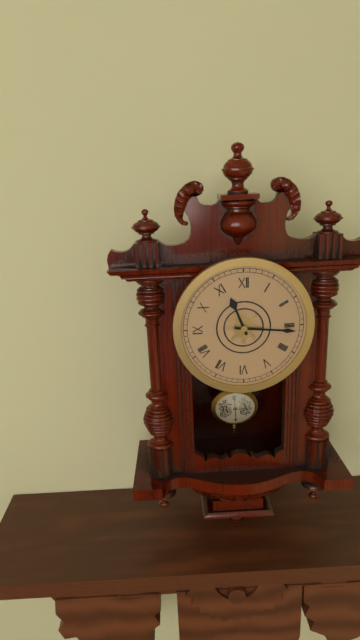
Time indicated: 11:16
